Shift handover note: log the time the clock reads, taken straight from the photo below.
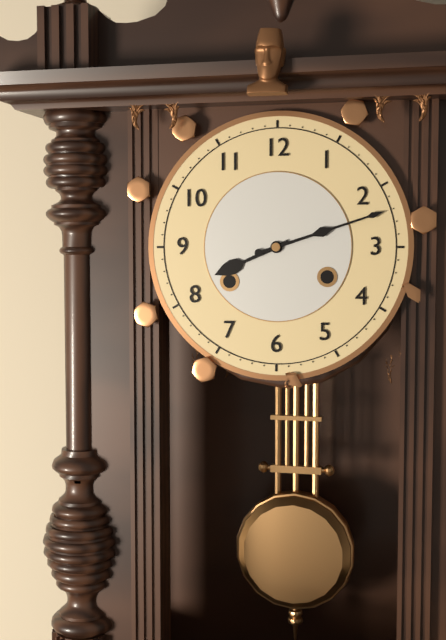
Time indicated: 8:12
